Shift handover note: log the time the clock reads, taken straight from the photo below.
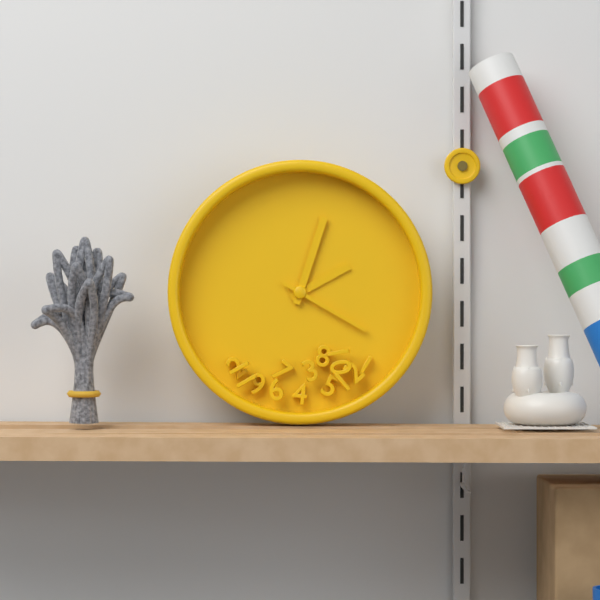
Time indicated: 2:03:20
